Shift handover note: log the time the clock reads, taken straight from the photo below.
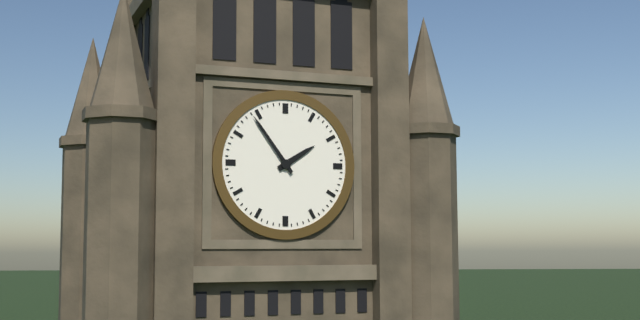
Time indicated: 1:54
